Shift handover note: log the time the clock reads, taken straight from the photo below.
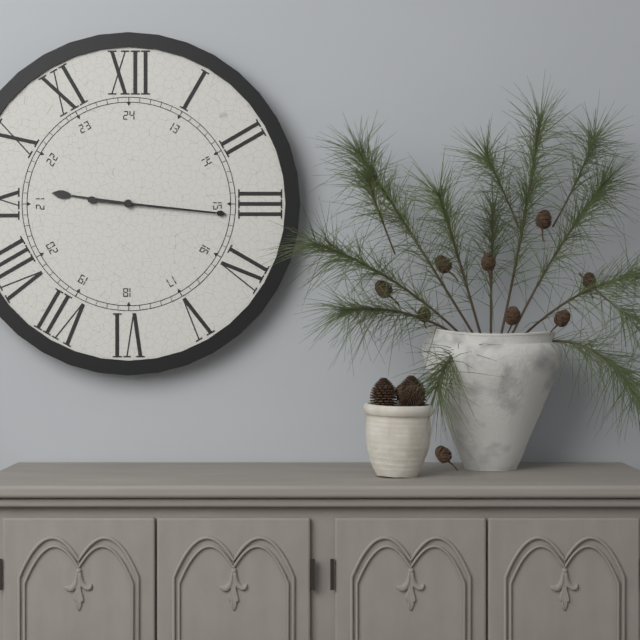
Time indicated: 9:16
